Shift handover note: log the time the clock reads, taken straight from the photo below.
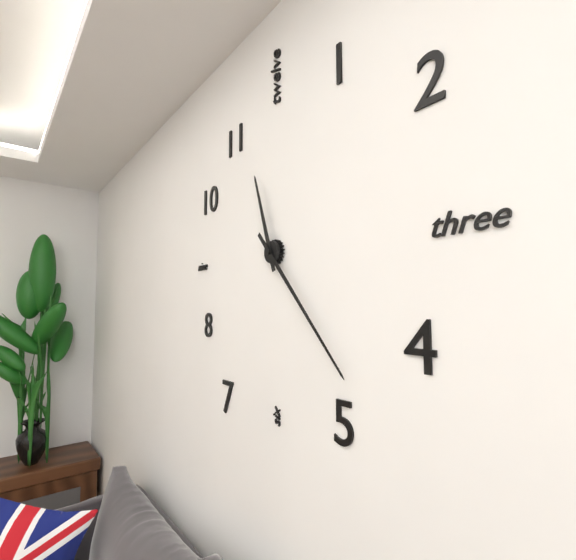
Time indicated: 11:23
